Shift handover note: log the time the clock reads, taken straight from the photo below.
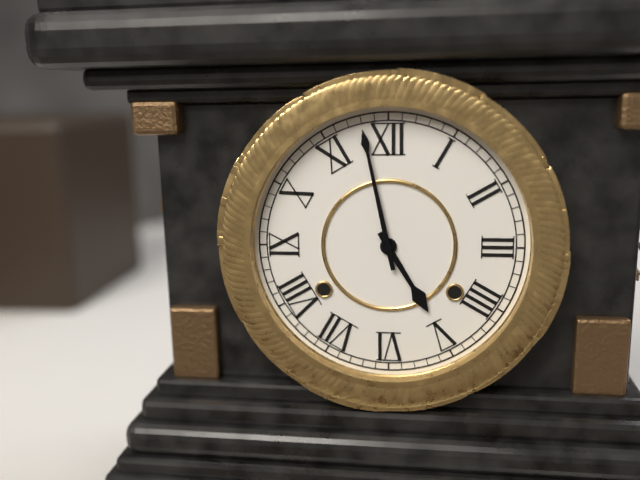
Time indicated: 4:58
